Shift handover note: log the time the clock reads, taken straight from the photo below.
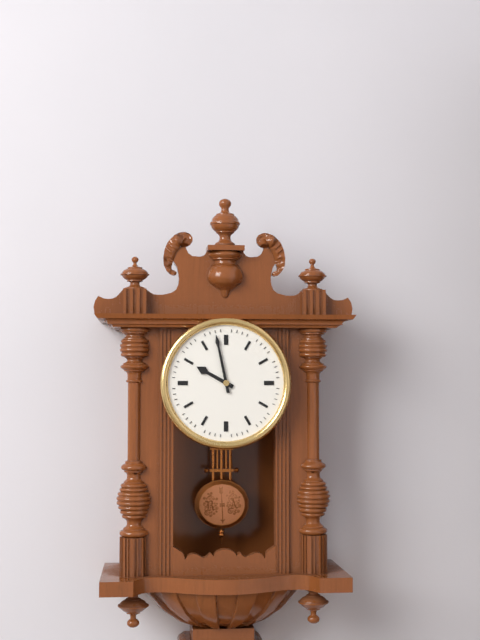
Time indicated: 9:58
